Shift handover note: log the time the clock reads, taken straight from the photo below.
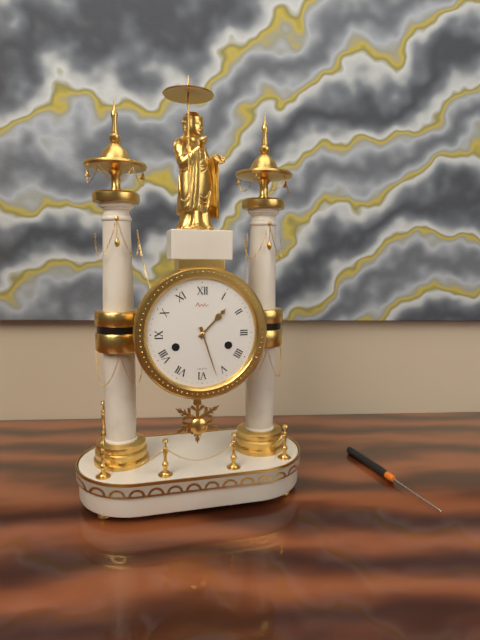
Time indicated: 1:27
